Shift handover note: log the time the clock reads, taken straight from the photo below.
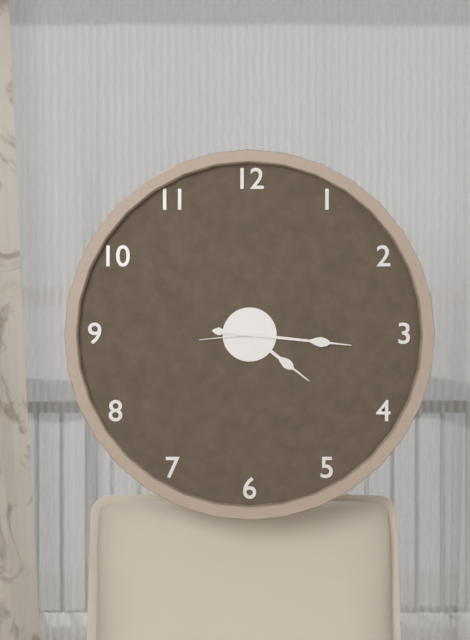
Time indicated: 4:16:44
